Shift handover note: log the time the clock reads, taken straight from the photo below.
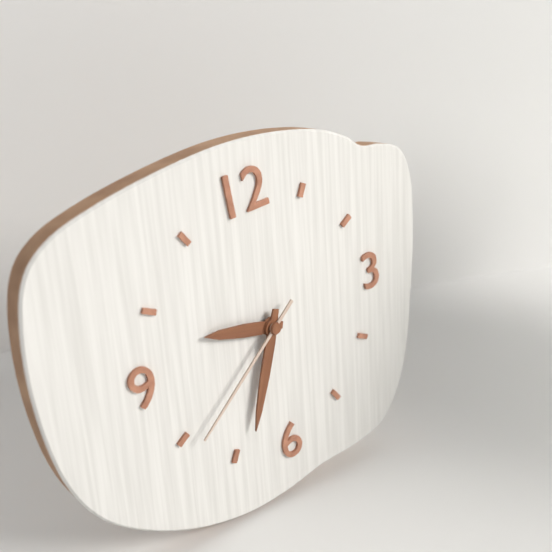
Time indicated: 9:34:39
